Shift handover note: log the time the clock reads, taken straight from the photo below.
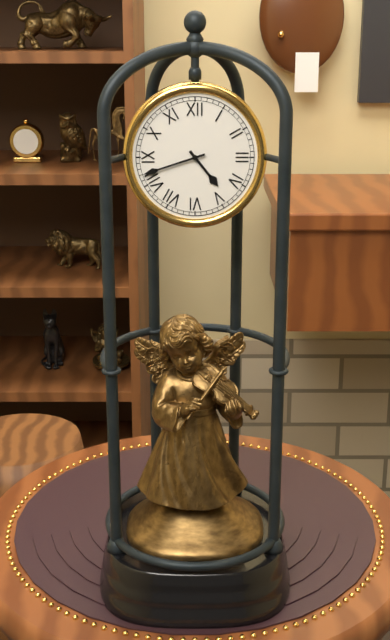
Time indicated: 4:42
